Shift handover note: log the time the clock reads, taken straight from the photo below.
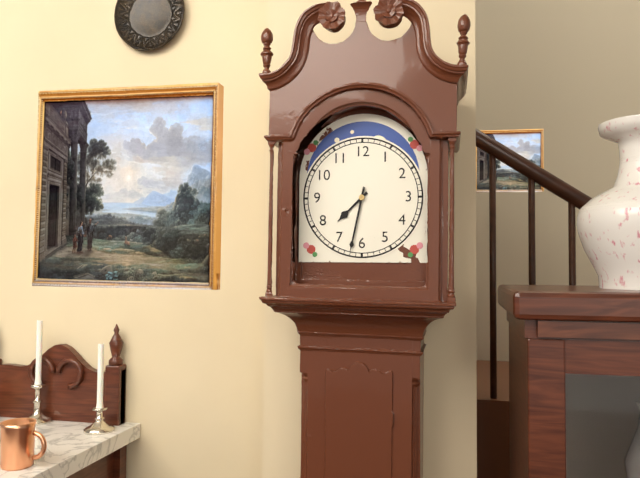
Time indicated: 7:32
